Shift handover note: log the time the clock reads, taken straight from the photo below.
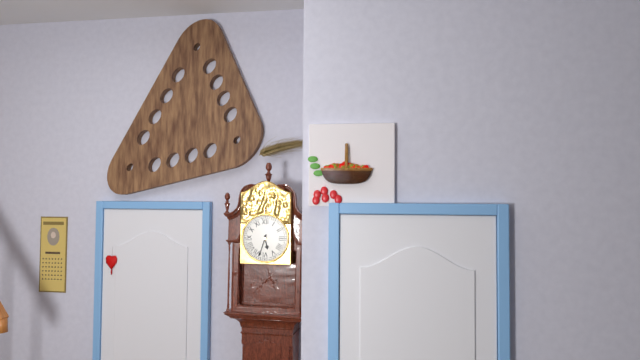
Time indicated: 5:33
